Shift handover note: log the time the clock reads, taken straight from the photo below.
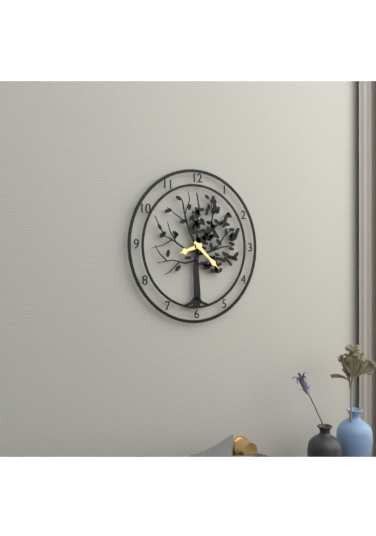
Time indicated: 8:22
